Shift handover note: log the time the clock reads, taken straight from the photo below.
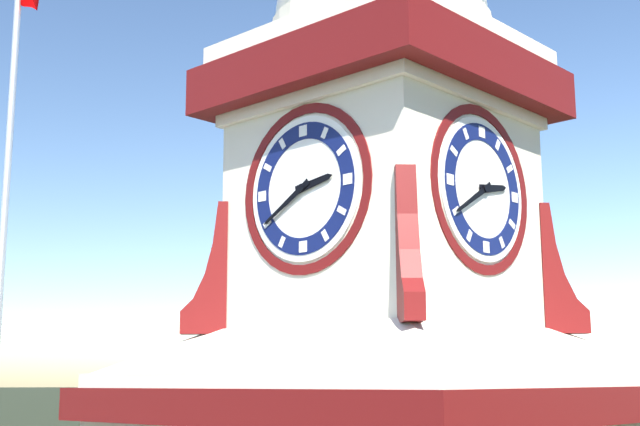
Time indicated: 2:40
